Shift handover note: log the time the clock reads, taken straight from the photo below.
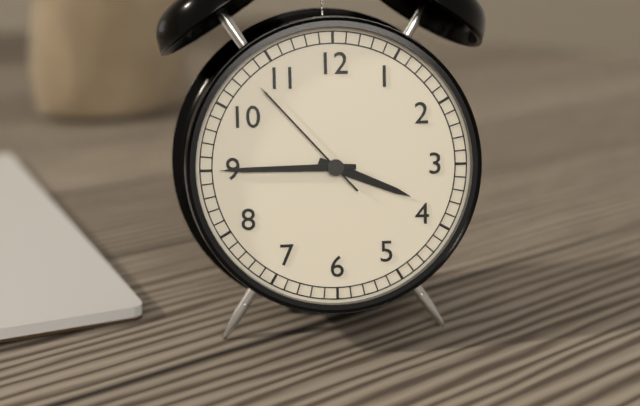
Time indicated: 3:45:53
